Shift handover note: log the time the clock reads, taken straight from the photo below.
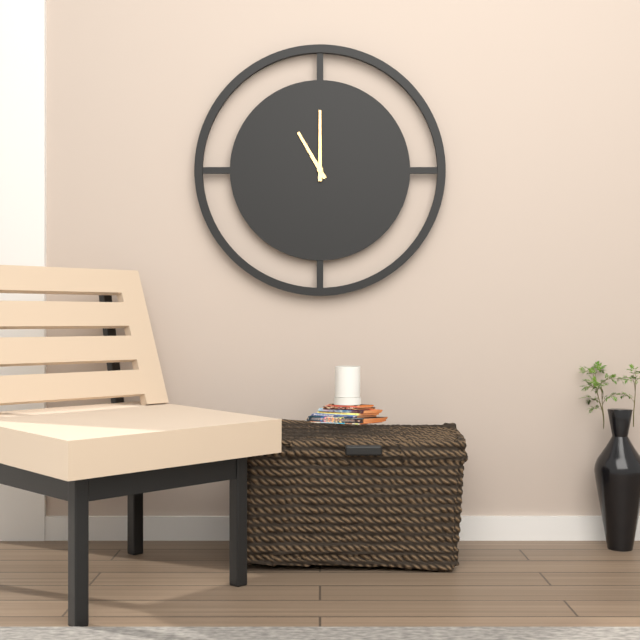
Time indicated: 11:00
